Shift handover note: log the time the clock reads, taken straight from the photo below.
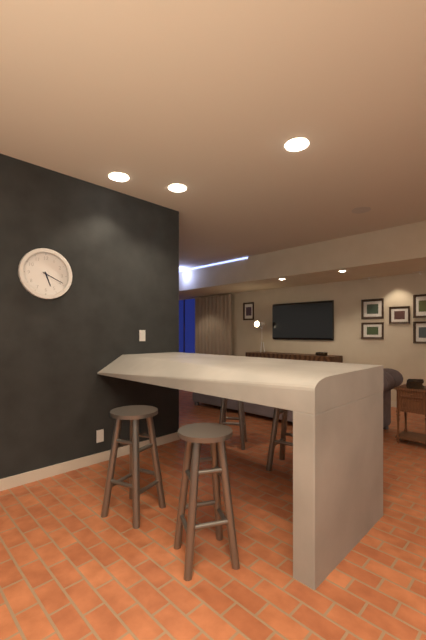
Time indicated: 5:19
